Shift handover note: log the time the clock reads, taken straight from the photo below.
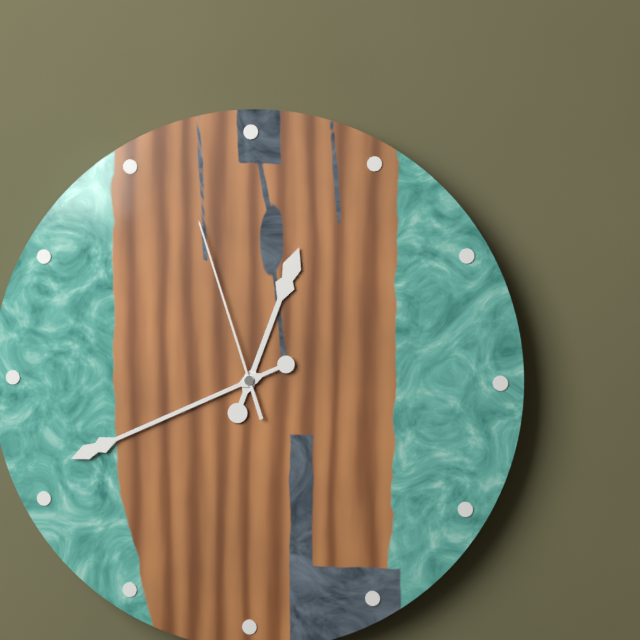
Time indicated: 12:41:57
